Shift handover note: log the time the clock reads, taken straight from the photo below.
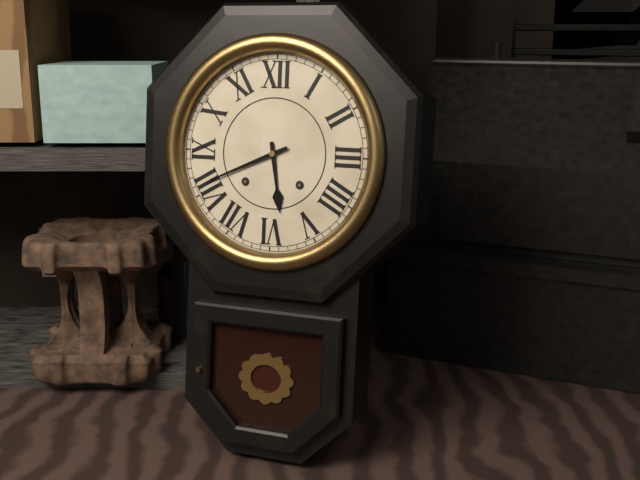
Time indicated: 5:41
